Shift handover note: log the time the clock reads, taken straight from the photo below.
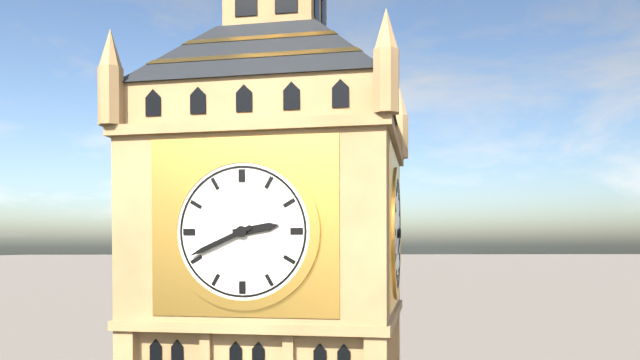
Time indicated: 2:41
